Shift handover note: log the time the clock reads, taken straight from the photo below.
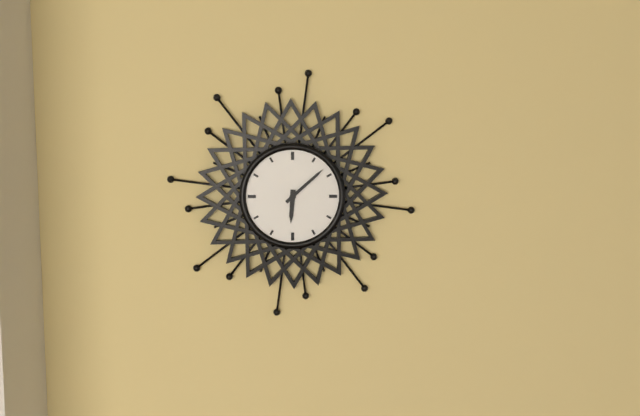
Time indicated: 6:08
